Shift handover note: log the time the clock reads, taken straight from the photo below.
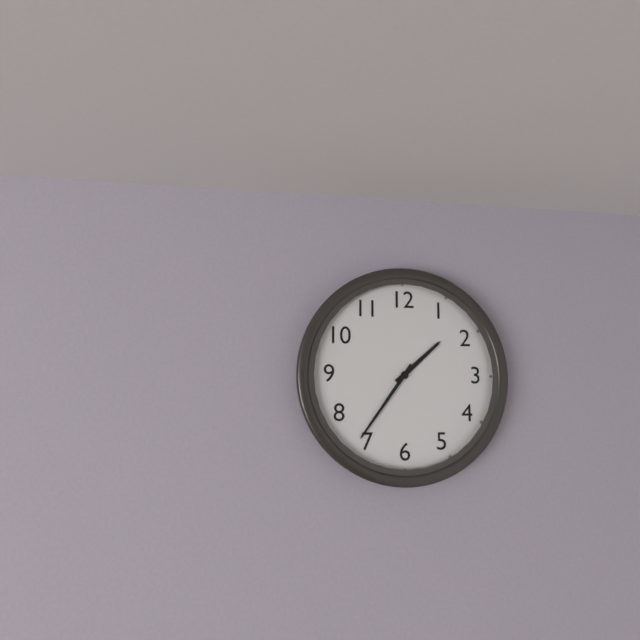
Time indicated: 1:36
